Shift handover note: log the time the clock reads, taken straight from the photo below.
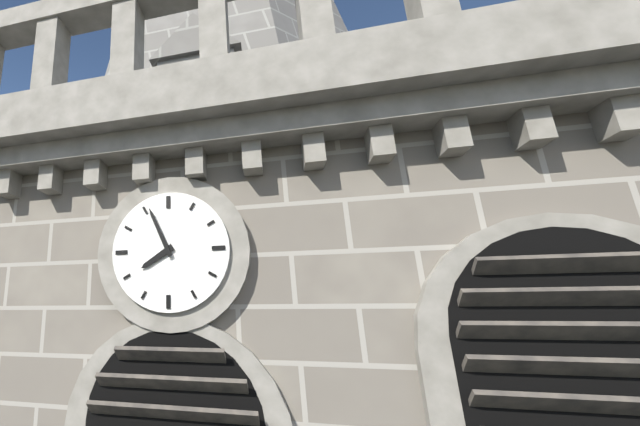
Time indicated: 7:56
